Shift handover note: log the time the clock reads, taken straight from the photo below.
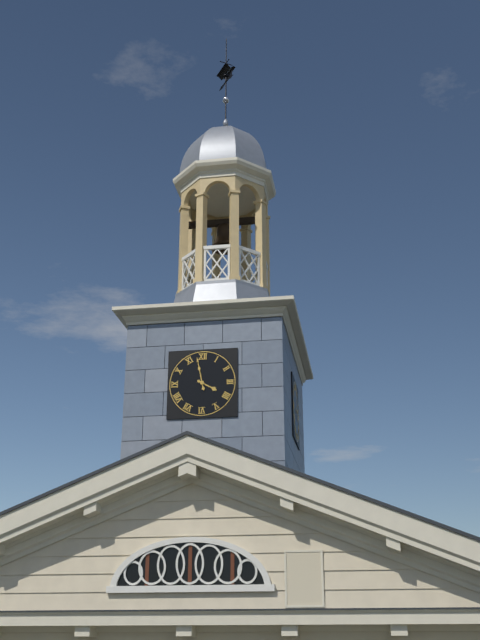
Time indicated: 3:58
